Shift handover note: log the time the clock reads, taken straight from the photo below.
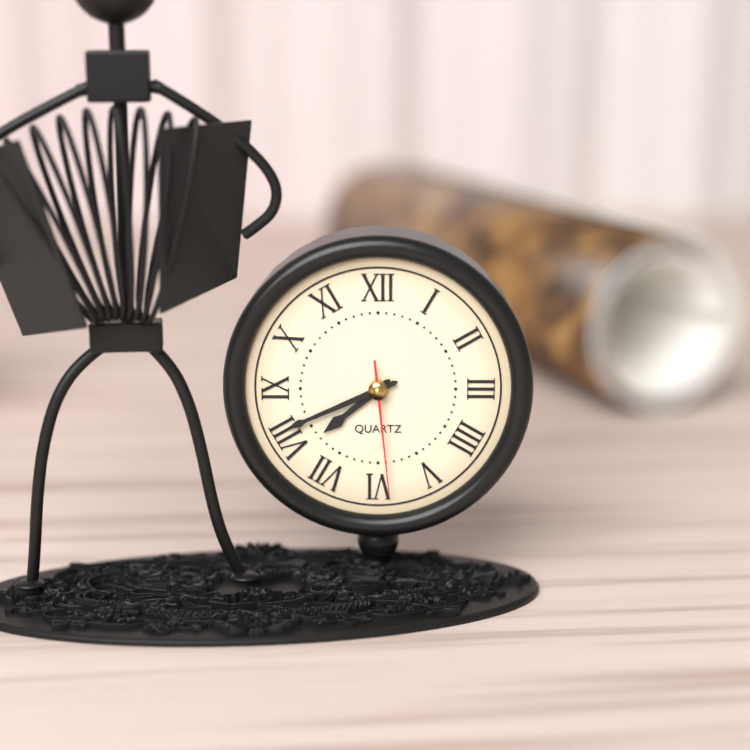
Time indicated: 7:41:29
